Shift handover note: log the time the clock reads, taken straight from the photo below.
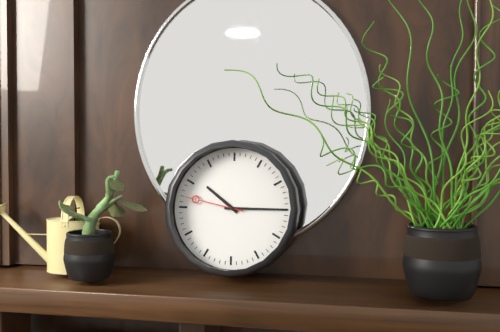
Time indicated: 10:15:47
